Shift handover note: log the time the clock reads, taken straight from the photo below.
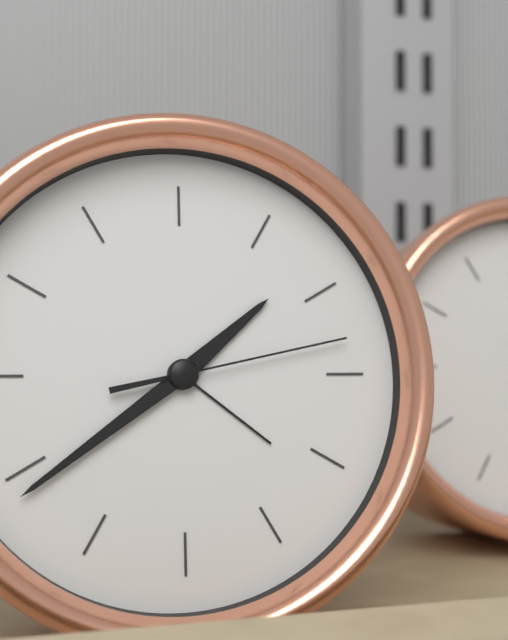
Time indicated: 1:39:13
